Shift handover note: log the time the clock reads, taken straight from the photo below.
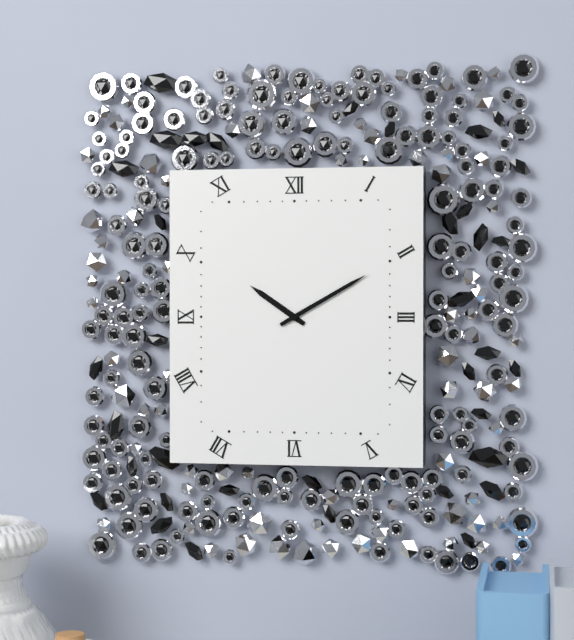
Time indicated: 10:10
